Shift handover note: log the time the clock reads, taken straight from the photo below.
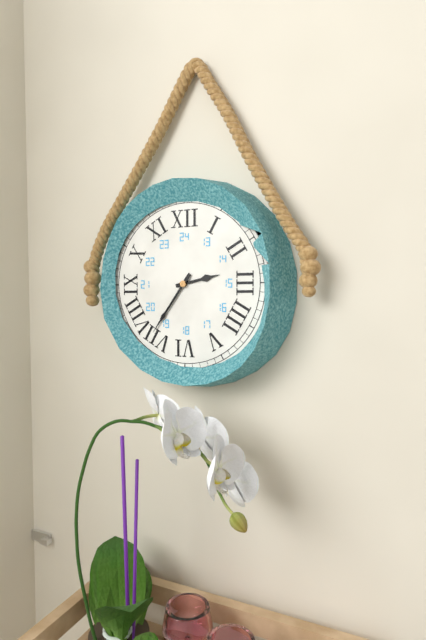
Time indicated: 2:36
